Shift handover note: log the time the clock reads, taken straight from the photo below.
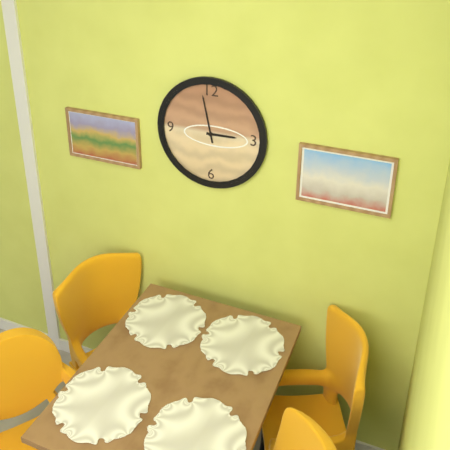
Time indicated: 2:58
